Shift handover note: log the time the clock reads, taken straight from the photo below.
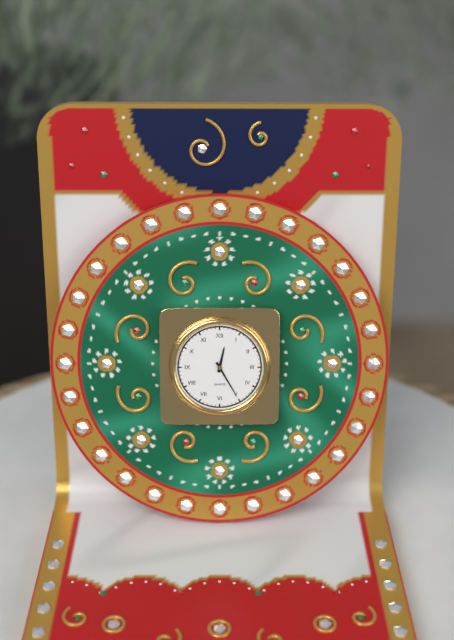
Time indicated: 12:25
